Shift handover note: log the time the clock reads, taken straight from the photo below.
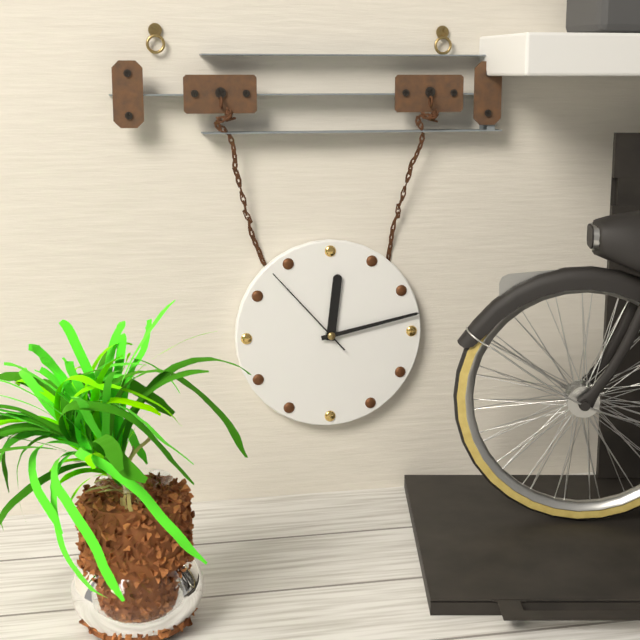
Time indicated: 12:13:53
